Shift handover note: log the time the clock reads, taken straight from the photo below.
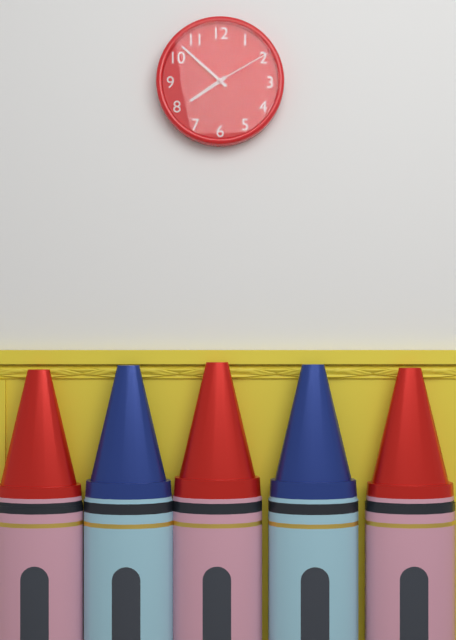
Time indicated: 7:52:10
